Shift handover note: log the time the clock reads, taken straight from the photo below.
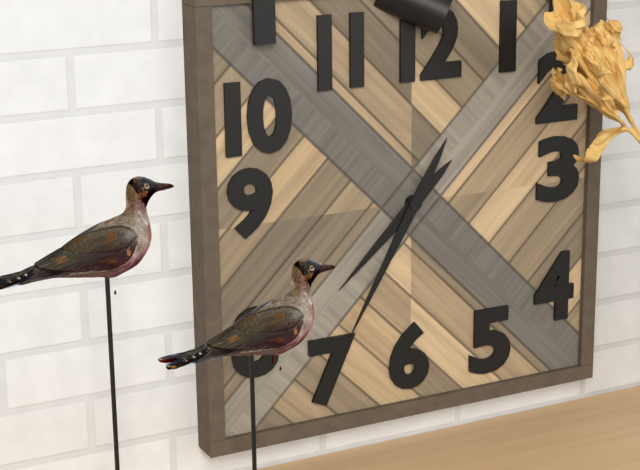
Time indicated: 7:35
